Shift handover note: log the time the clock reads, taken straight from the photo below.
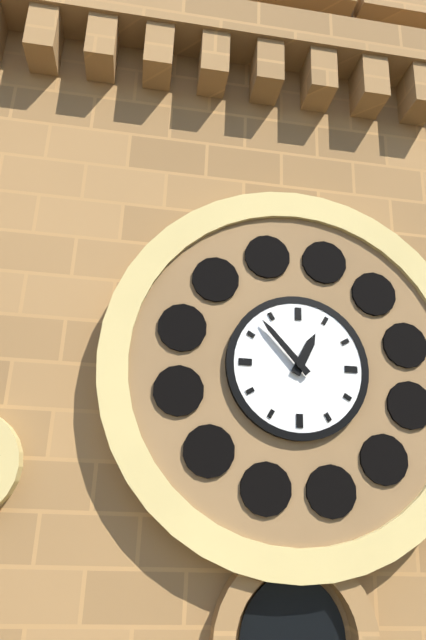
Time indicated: 12:53
